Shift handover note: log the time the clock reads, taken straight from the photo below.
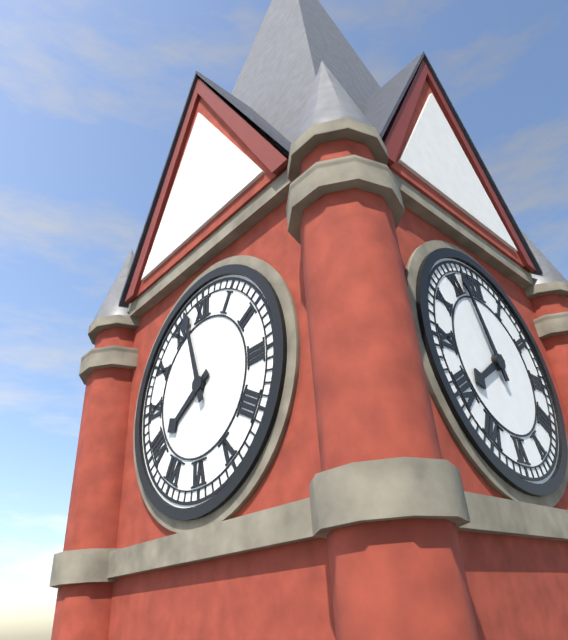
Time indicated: 7:57
